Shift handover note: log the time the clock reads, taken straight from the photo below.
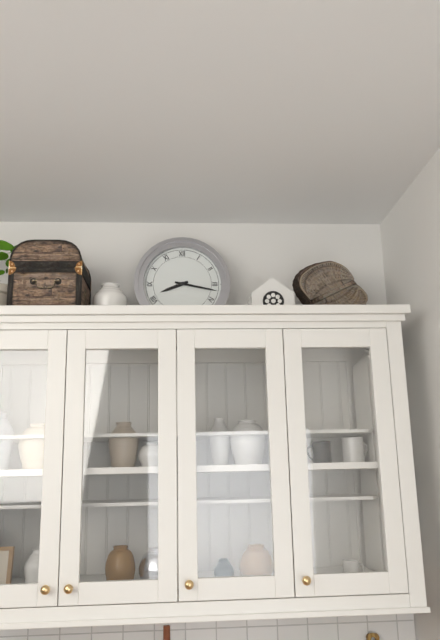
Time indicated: 8:17
